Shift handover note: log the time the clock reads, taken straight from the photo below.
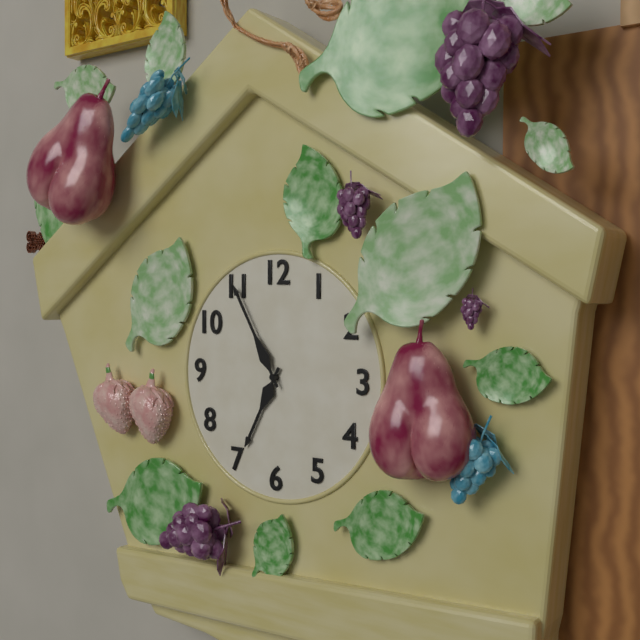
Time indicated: 6:55
